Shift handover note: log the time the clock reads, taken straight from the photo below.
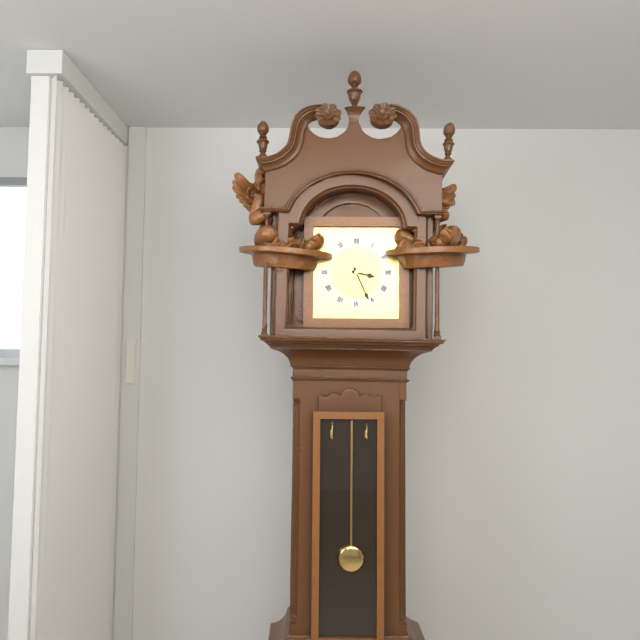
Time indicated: 3:26
